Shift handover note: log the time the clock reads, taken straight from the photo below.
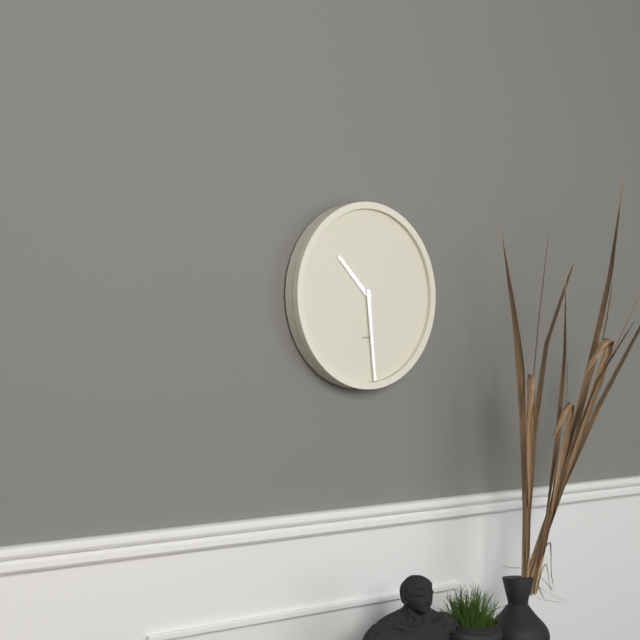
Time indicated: 10:29
